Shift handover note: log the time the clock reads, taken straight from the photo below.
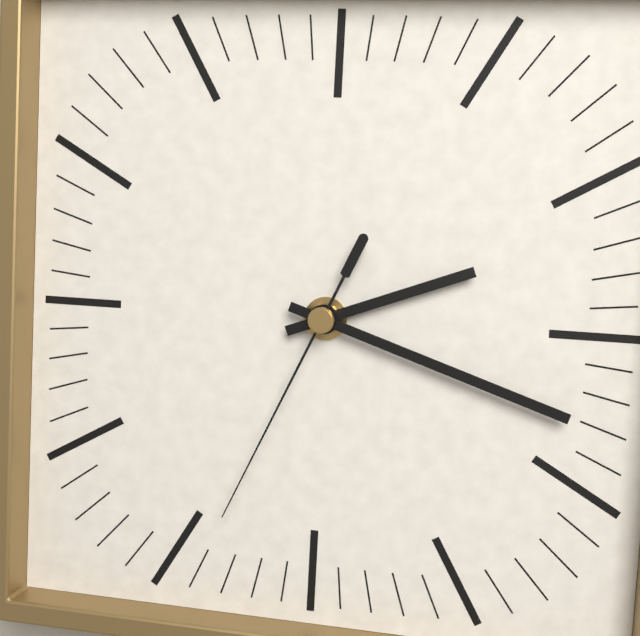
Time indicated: 2:18:34
